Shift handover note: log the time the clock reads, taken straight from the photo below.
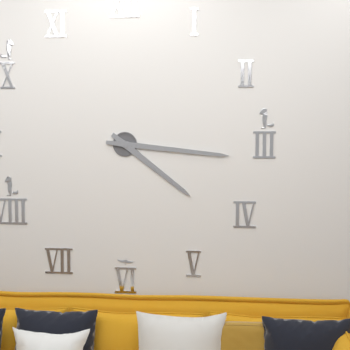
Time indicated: 4:16
